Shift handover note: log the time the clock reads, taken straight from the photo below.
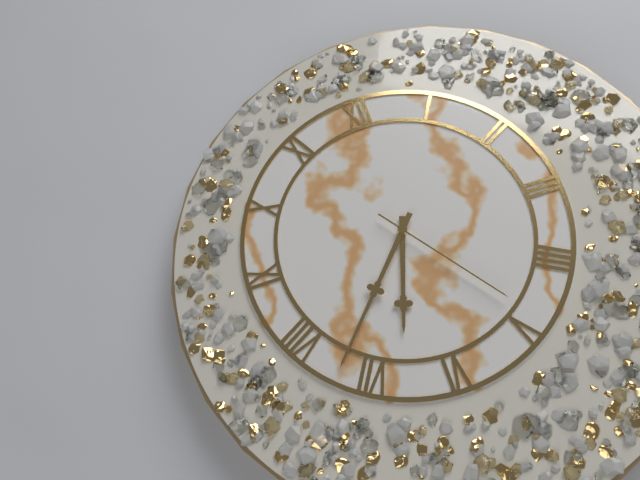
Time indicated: 6:37:24
